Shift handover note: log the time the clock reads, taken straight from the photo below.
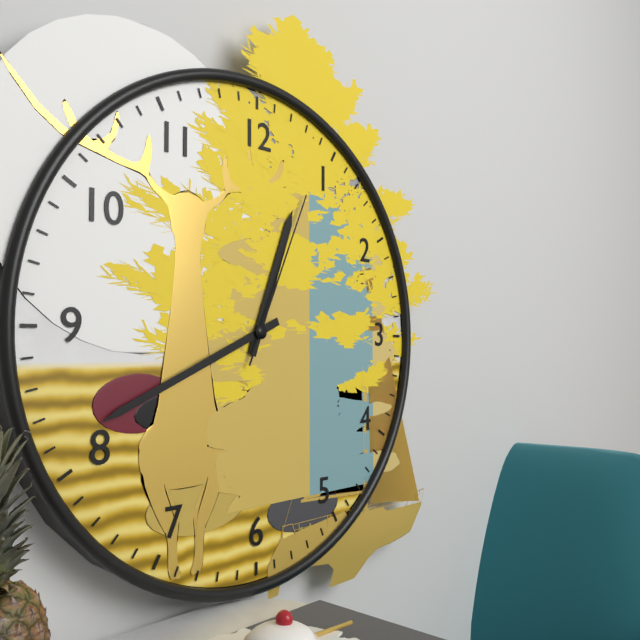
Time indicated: 12:41:04
